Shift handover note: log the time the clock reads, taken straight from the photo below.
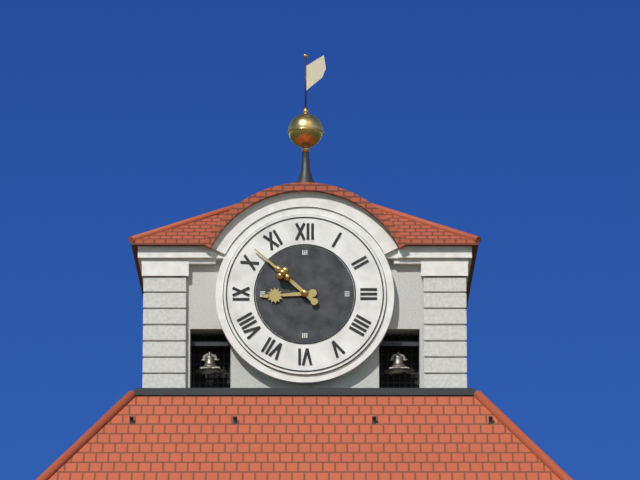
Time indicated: 8:52
